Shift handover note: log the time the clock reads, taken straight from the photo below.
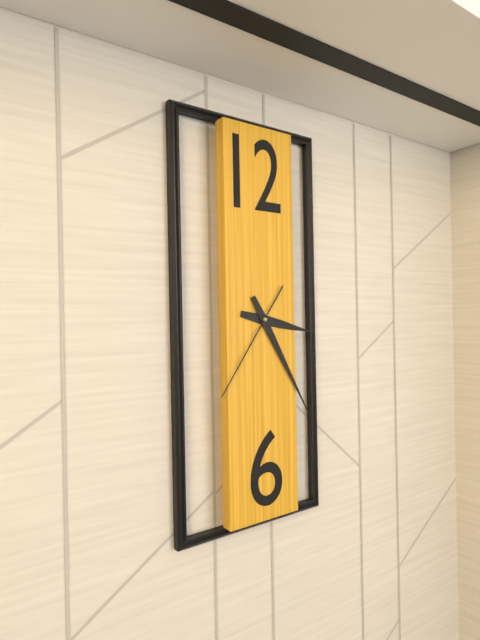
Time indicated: 3:25:36
